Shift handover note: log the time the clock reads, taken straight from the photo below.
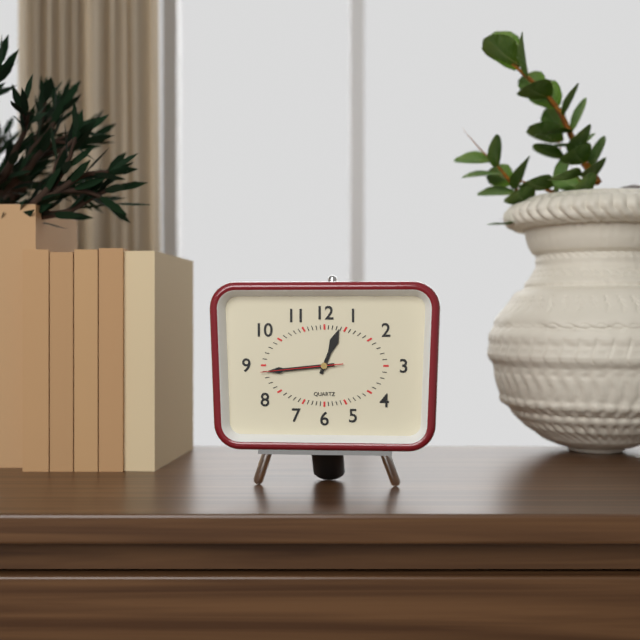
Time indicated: 12:44:44
